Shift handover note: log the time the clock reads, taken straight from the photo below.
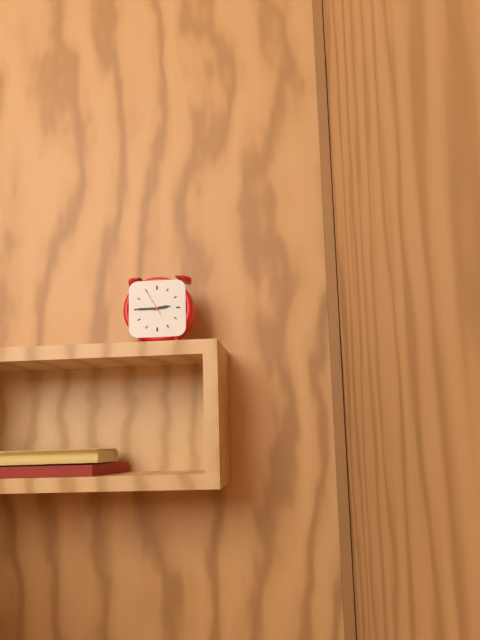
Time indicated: 2:45
